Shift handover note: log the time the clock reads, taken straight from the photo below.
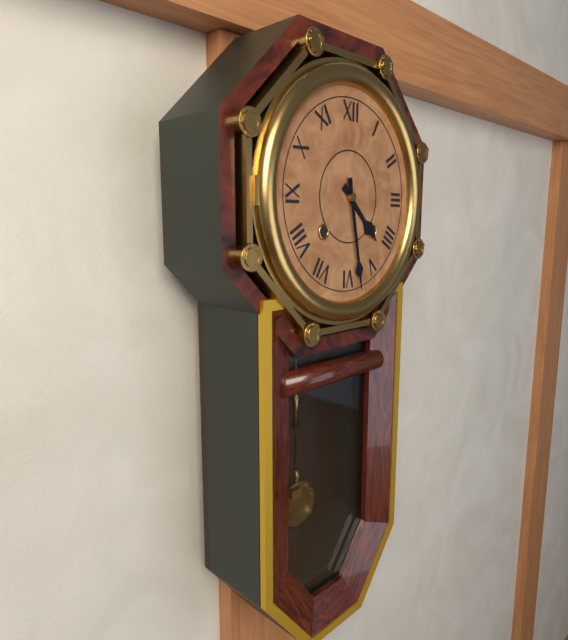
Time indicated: 4:28
